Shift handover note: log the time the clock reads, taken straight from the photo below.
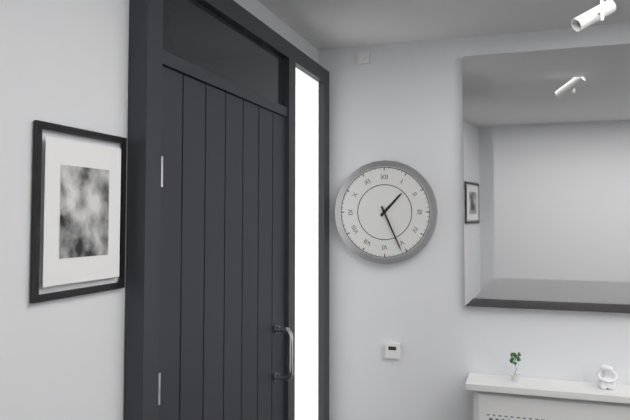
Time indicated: 1:26
